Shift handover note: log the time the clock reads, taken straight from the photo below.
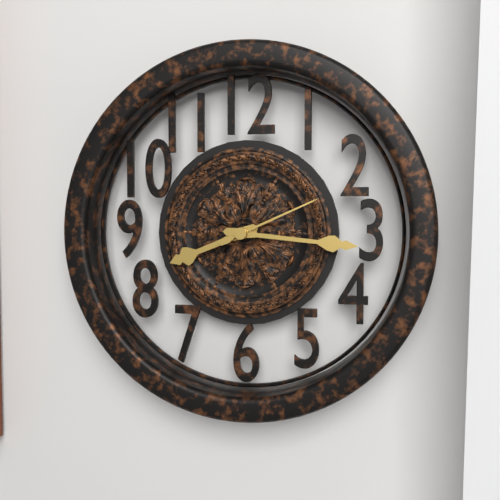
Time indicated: 8:16:11
